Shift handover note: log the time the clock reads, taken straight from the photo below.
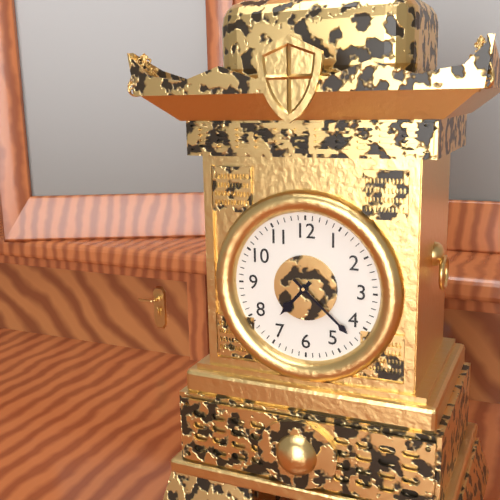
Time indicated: 7:22
